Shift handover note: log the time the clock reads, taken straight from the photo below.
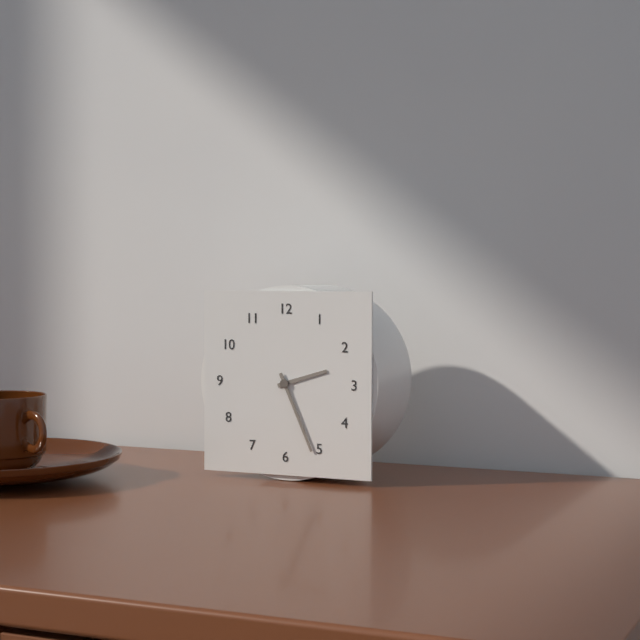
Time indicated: 2:26
